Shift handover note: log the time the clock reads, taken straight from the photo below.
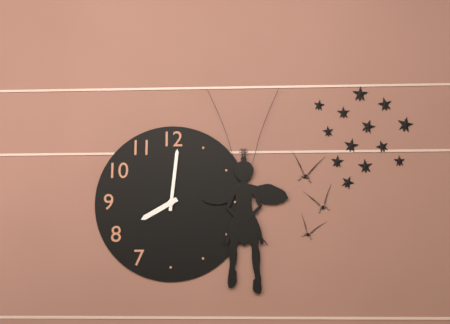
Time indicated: 8:01
